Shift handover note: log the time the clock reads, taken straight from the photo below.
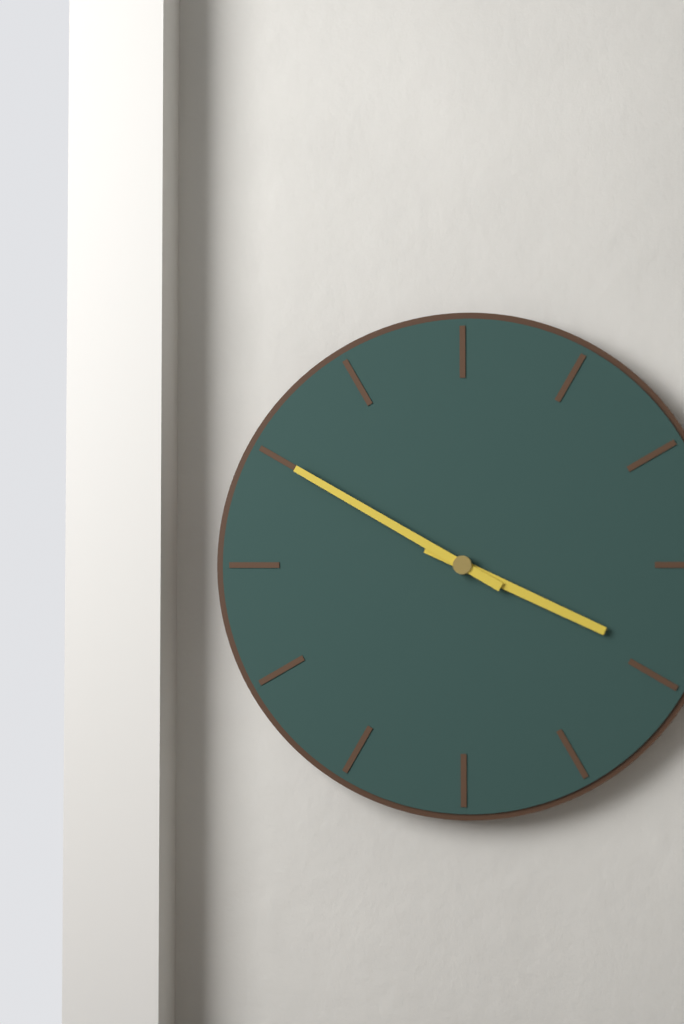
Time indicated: 3:50
